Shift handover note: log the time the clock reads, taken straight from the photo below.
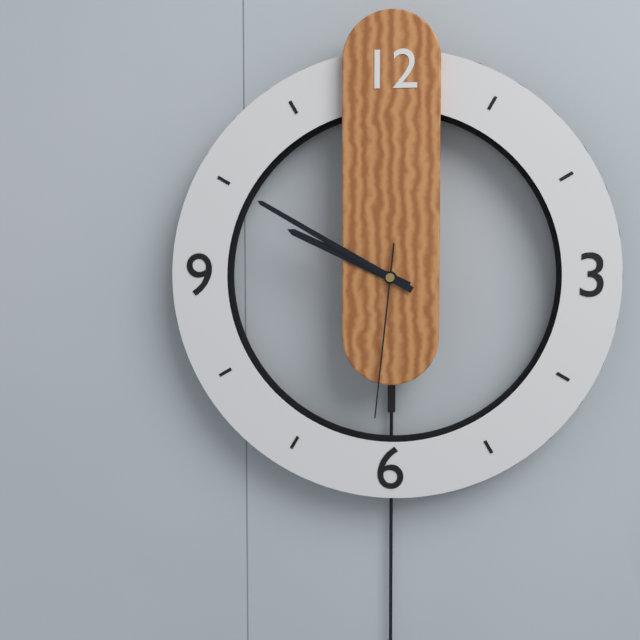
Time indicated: 9:50:31
